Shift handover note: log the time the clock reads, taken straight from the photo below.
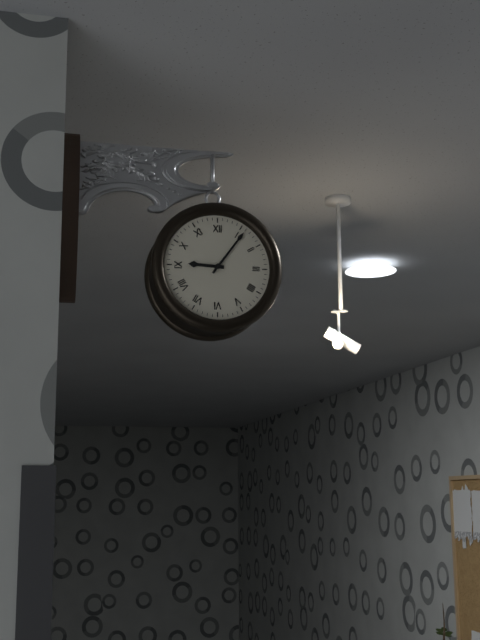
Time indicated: 9:06
